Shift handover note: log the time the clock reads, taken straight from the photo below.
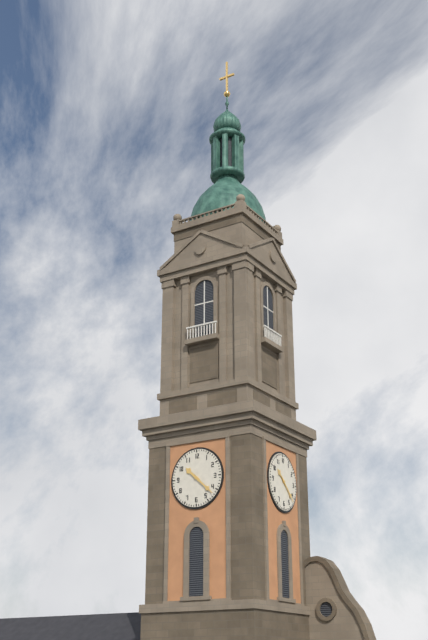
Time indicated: 10:22
